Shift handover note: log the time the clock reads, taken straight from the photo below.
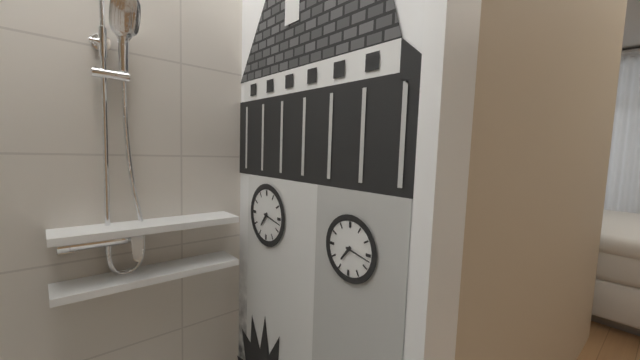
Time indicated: 7:17
